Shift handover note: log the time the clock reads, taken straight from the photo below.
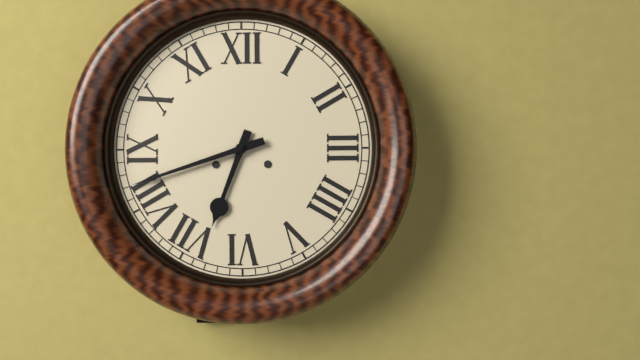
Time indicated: 6:42
